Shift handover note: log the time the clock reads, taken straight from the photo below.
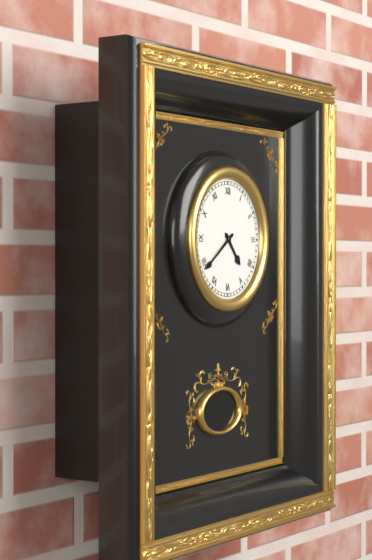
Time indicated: 4:39
